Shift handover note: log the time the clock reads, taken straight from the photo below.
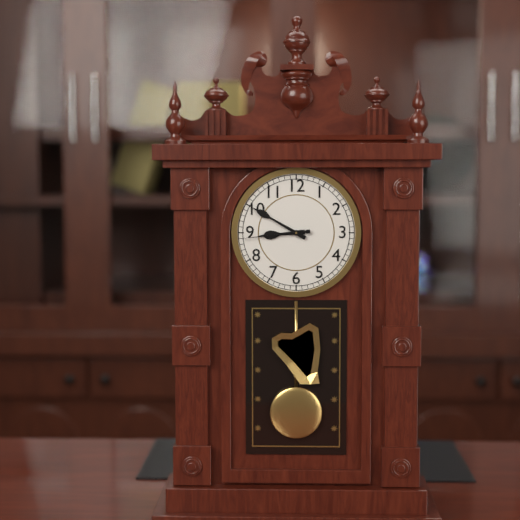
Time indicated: 8:50:44
